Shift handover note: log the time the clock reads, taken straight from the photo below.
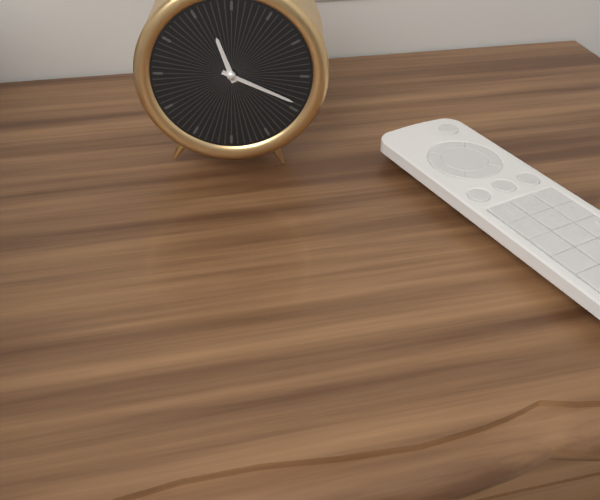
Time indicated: 11:19
